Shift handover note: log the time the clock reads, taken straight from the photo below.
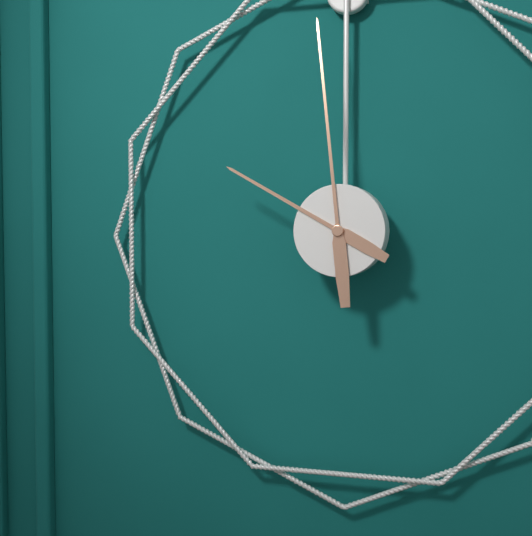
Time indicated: 9:59
